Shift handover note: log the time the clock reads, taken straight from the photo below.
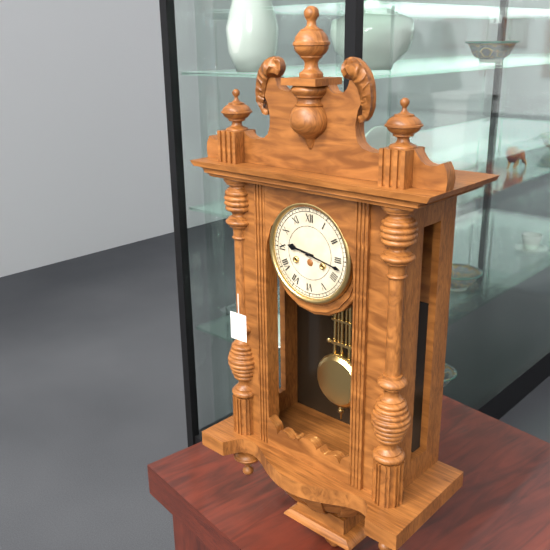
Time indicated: 9:17
